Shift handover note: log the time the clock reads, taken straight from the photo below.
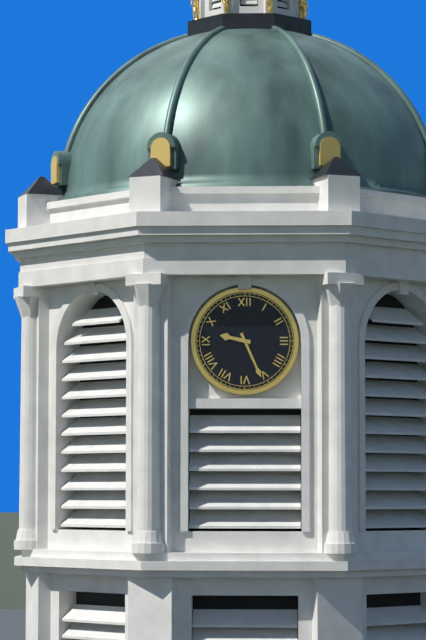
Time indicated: 9:26
